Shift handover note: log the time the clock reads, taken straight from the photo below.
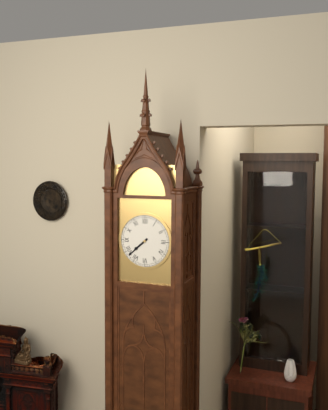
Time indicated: 7:38
